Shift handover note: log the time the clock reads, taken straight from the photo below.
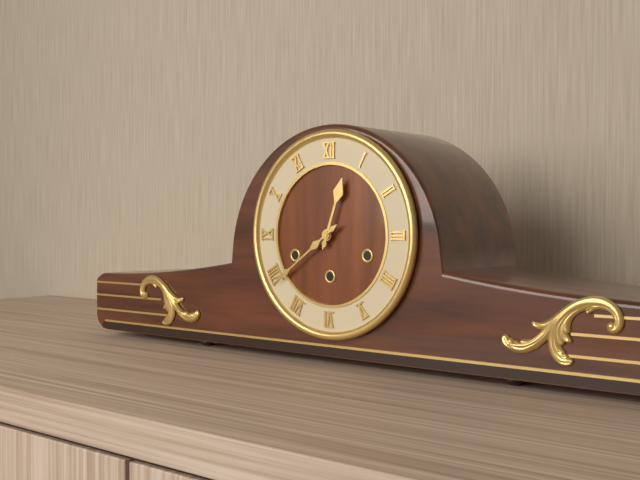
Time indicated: 12:39
